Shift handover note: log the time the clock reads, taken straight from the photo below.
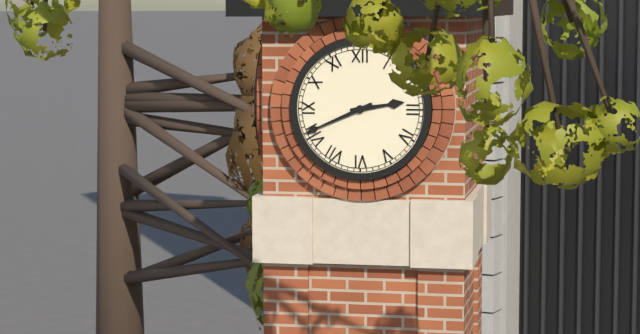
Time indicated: 2:41
